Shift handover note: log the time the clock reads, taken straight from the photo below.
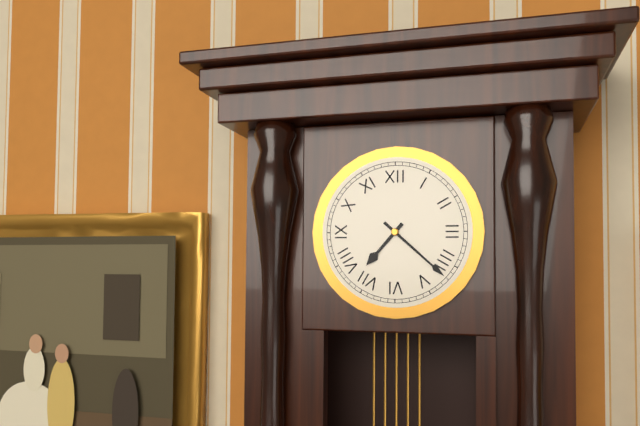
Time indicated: 7:22
